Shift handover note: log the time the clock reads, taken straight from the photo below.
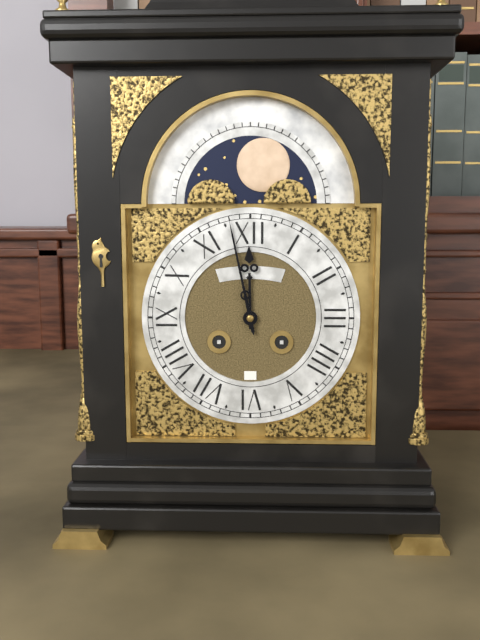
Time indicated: 11:58
